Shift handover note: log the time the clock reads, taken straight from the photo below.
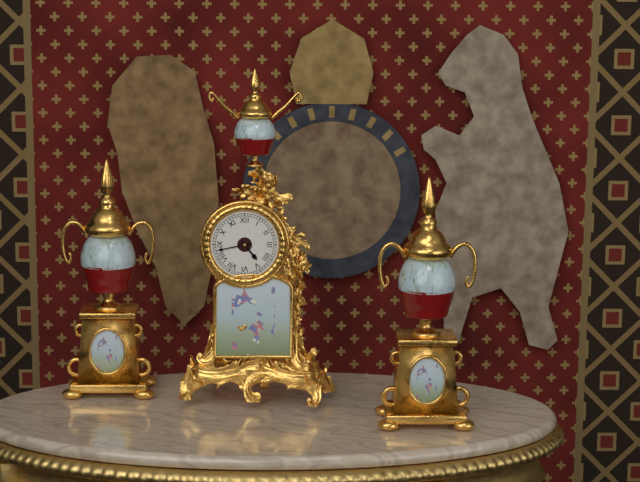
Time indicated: 4:43
